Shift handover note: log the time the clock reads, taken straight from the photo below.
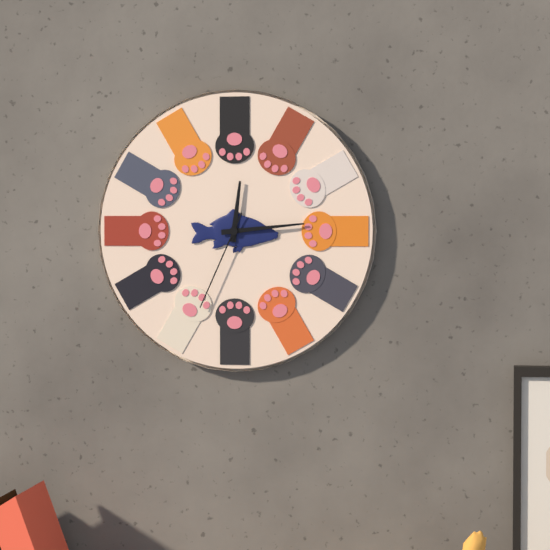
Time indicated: 12:14:34
